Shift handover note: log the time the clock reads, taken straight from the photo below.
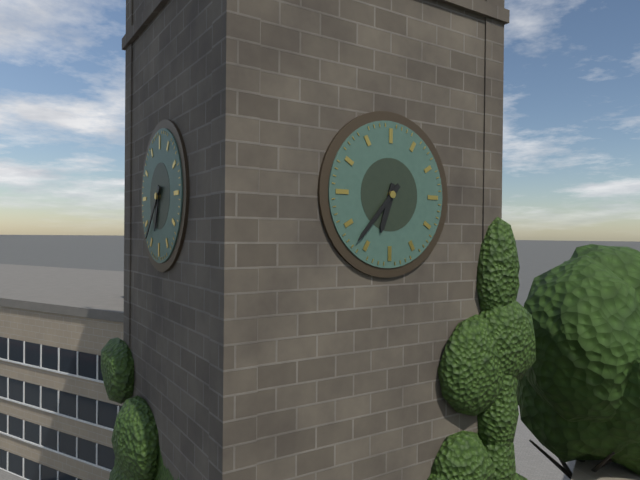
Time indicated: 6:37
